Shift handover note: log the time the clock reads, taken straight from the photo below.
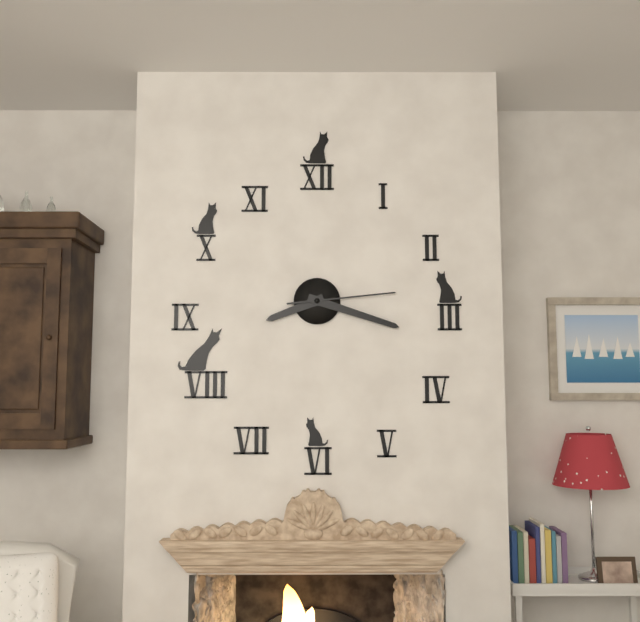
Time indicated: 8:18:14
